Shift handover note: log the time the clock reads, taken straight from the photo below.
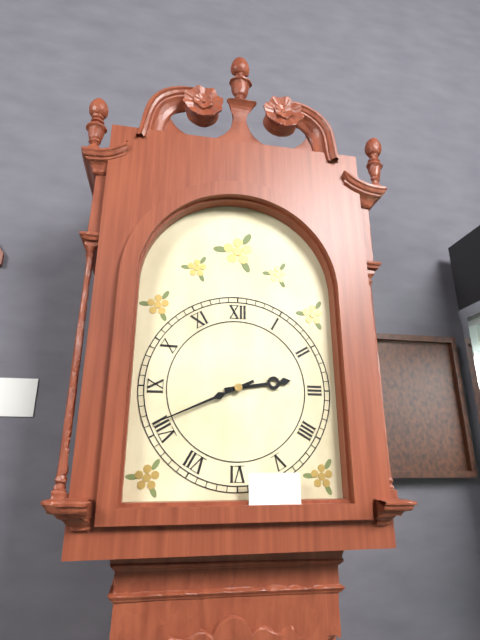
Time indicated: 2:41
